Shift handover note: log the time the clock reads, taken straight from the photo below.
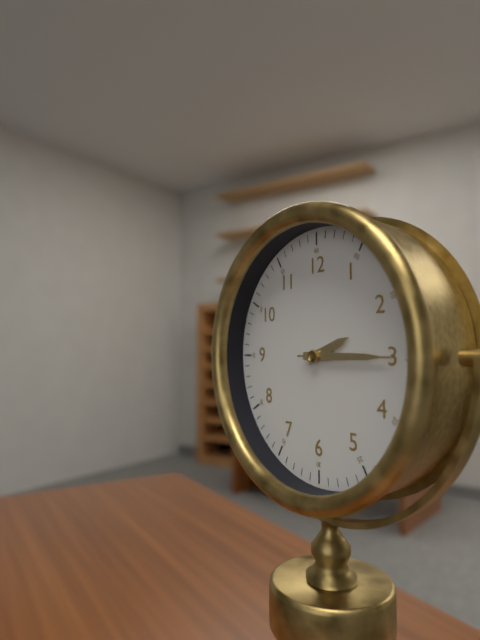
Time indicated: 2:15:15
